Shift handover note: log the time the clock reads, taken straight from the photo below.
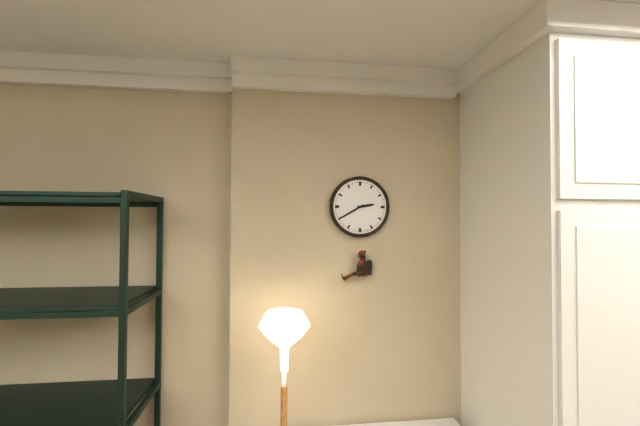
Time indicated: 2:40
